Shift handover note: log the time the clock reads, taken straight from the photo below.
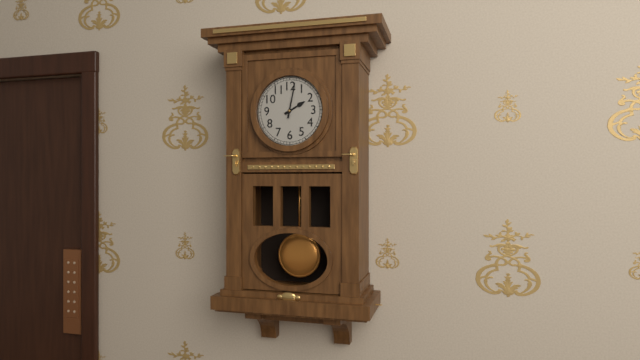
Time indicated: 2:02
